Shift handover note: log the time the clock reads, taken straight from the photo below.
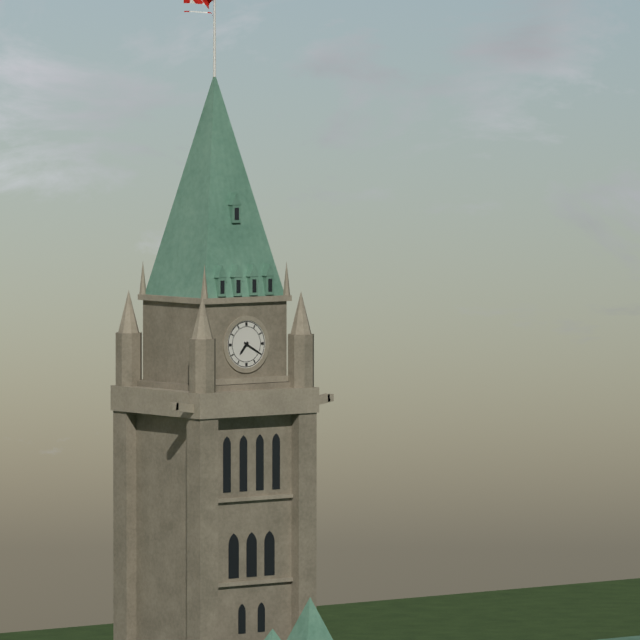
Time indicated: 7:20
